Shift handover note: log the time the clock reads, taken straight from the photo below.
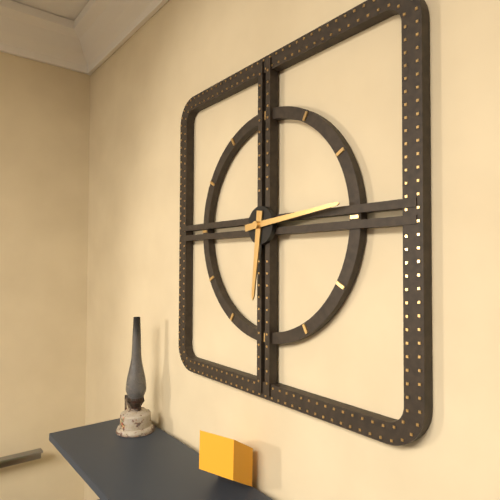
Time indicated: 6:14
